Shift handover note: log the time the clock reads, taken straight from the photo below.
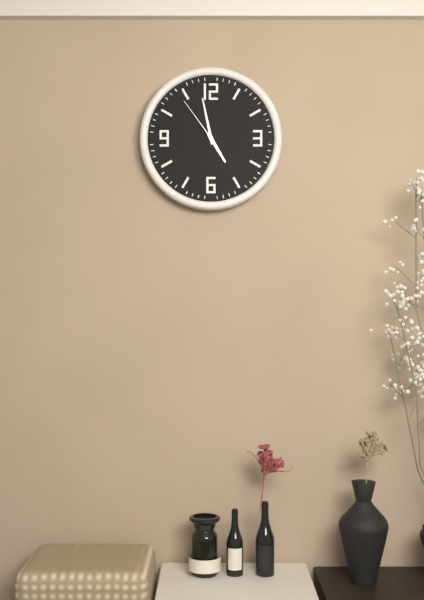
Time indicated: 4:58:54
